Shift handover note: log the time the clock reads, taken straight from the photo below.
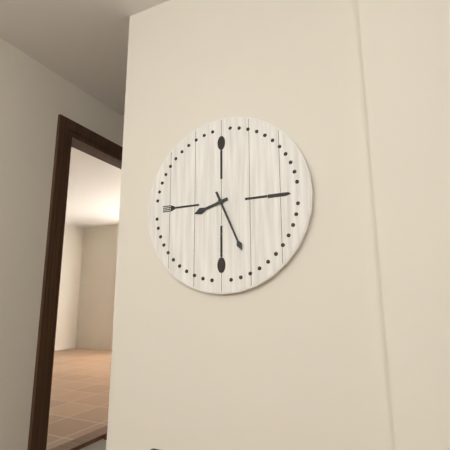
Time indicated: 8:26
